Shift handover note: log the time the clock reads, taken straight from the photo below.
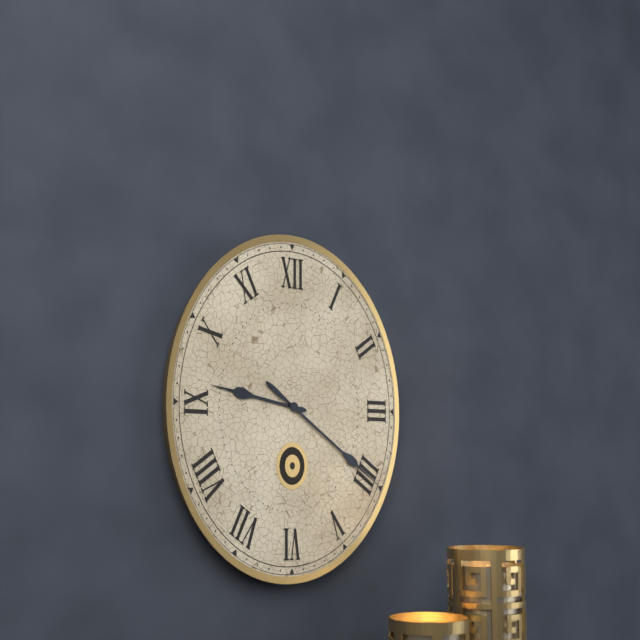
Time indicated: 9:21
